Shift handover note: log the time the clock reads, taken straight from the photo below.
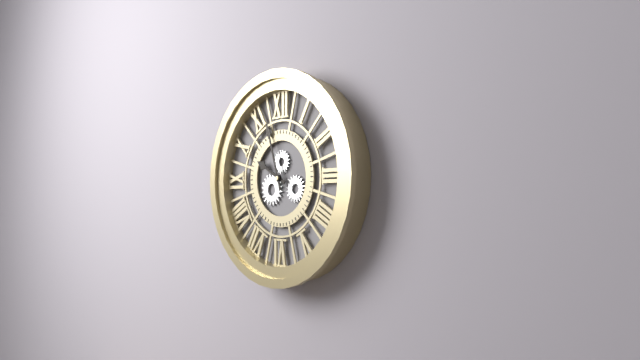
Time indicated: 9:57
